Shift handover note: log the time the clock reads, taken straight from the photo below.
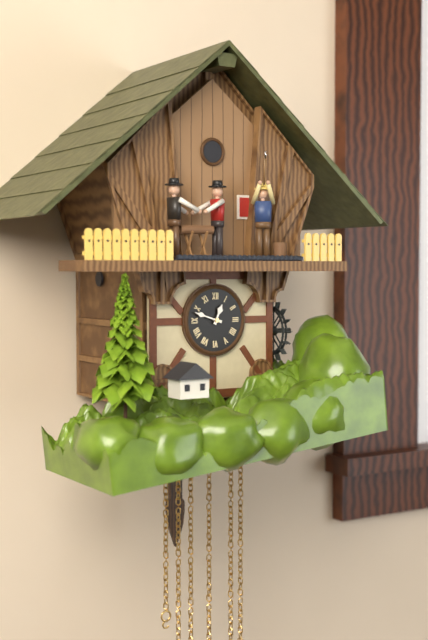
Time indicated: 12:48
